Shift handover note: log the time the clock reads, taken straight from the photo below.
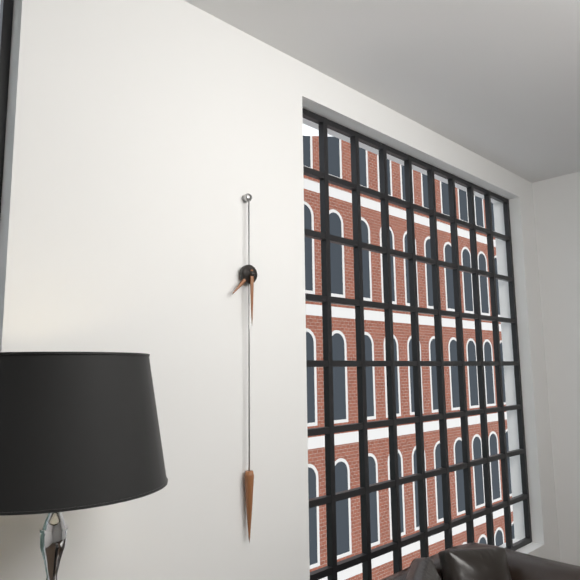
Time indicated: 7:30
